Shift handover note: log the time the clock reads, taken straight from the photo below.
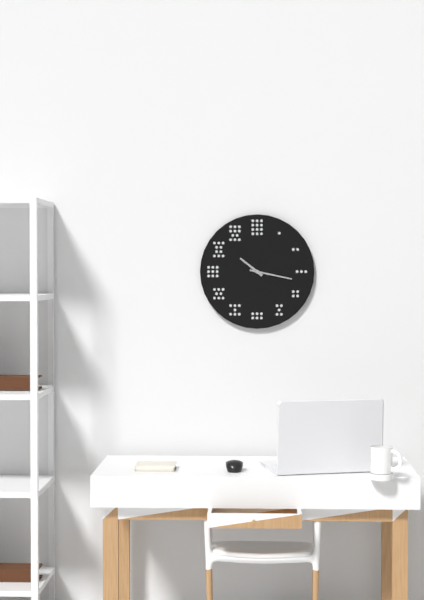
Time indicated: 10:17
